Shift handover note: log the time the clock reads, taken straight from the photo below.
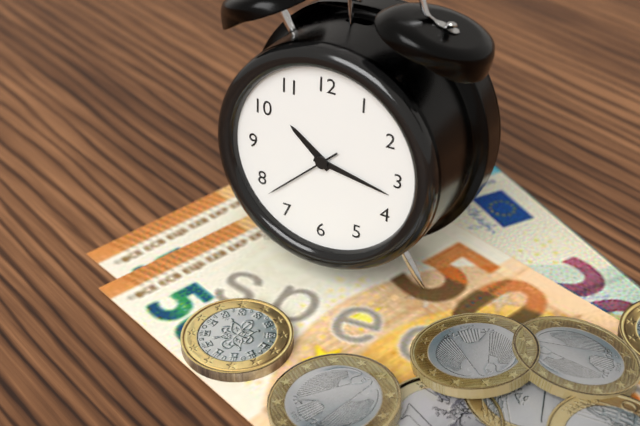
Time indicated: 10:17:38
